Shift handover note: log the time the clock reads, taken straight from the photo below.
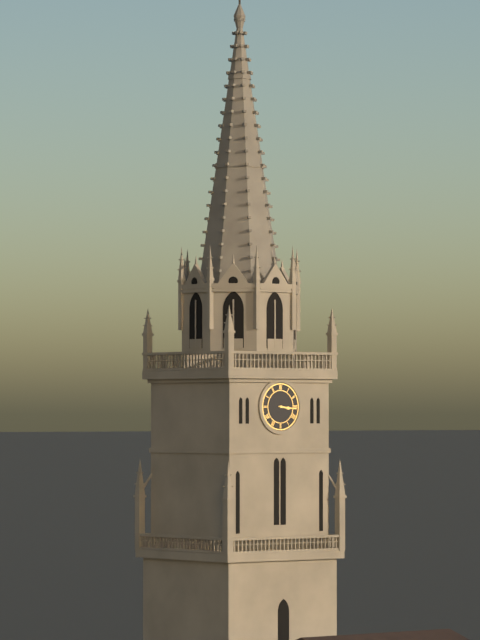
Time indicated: 3:16
